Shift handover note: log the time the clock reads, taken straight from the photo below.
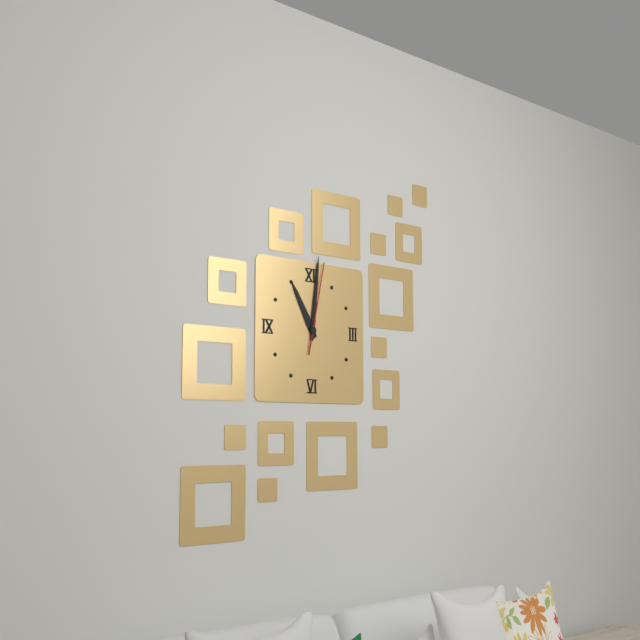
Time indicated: 11:01:02
